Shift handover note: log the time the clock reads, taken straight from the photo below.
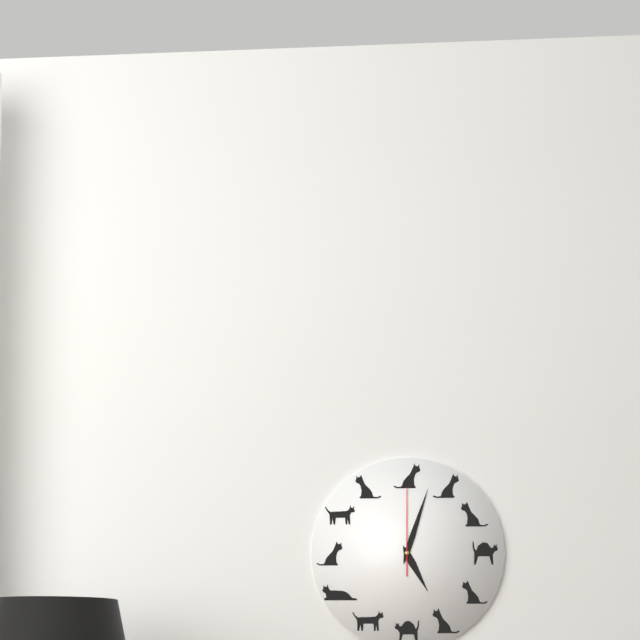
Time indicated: 5:03:00
